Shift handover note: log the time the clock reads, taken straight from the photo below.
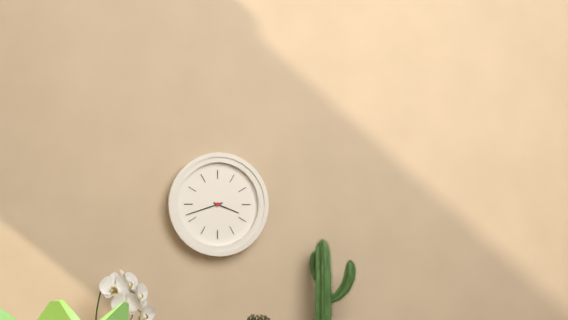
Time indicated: 3:42
